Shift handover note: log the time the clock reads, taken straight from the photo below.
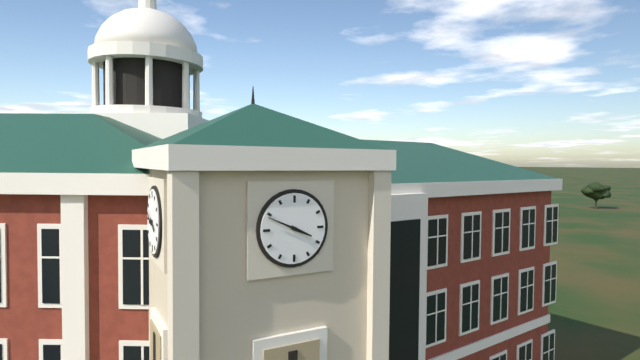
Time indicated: 3:49
